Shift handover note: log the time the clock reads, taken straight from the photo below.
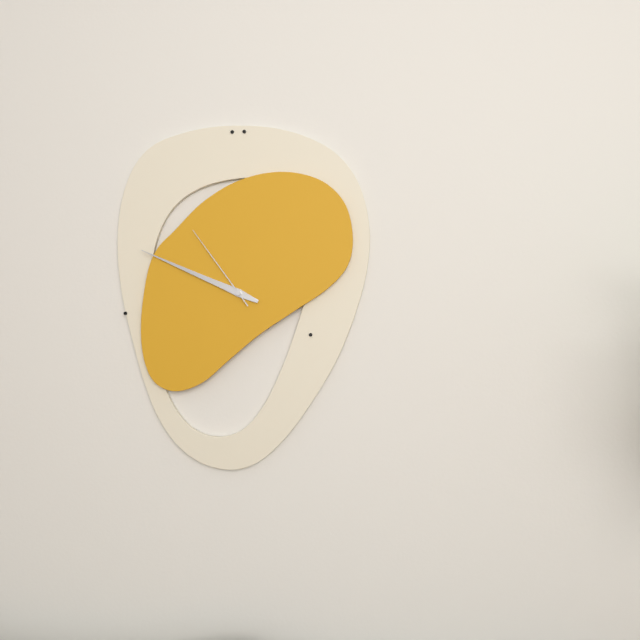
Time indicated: 9:49:54
